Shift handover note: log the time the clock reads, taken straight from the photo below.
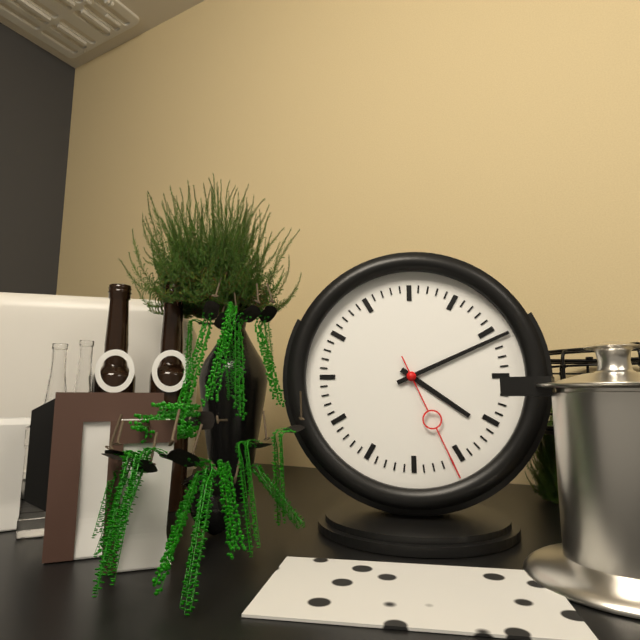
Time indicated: 4:11:26
